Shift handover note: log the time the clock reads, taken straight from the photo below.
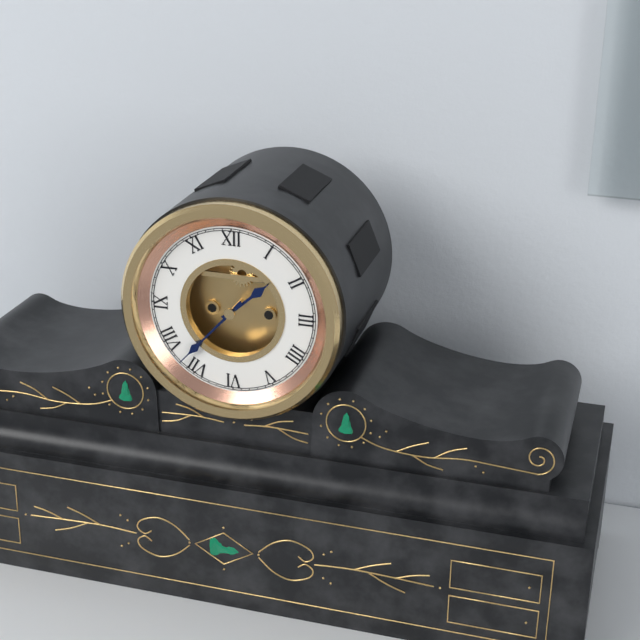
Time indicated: 1:37
